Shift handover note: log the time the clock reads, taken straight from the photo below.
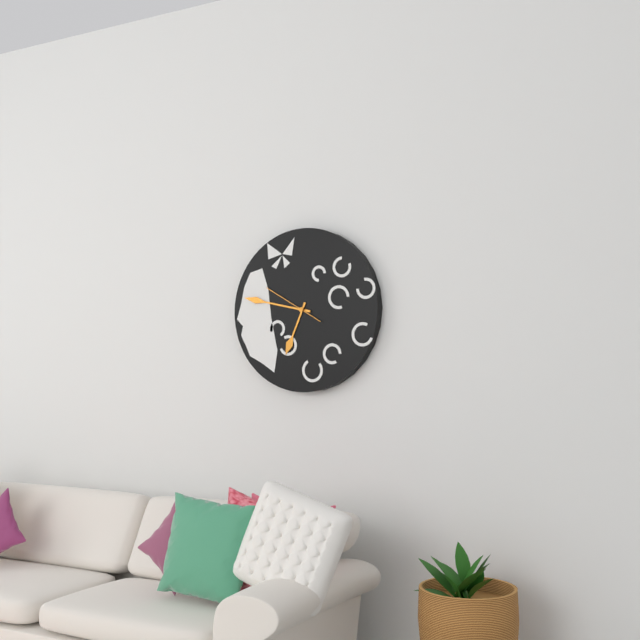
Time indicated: 6:47:50
